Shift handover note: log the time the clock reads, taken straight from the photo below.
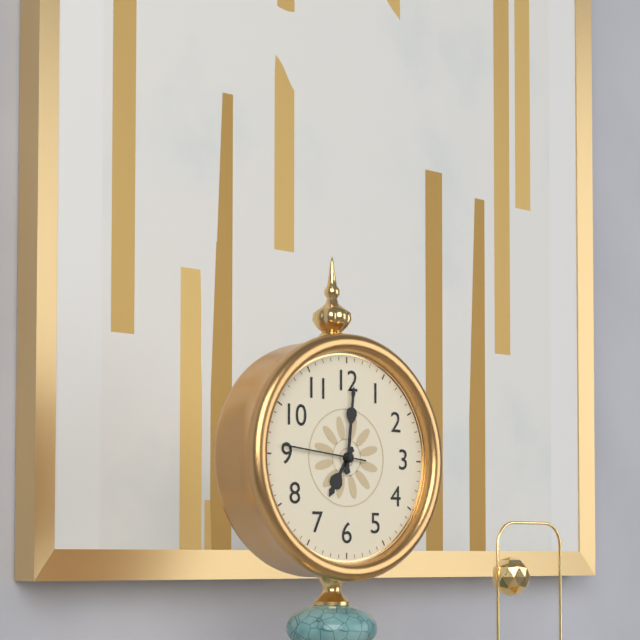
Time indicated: 7:01:46
